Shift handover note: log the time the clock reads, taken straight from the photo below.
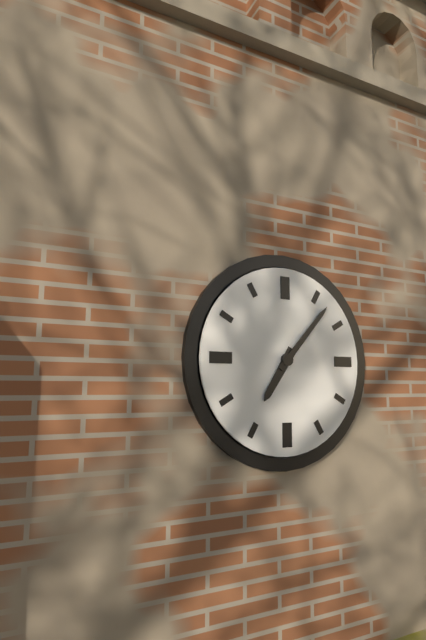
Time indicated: 7:07
